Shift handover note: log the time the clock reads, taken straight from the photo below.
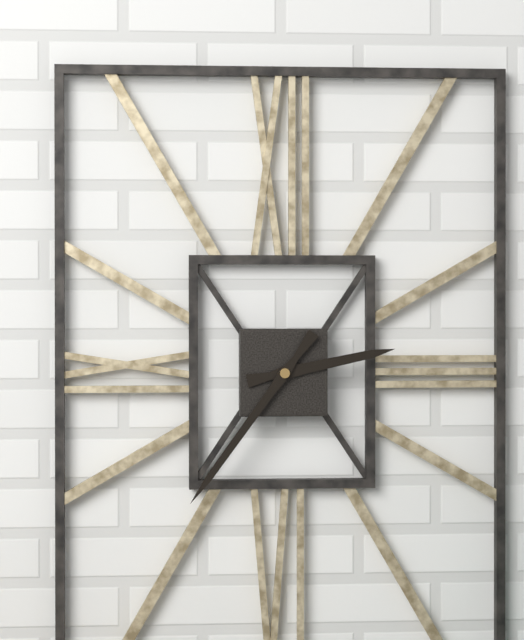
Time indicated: 2:36
